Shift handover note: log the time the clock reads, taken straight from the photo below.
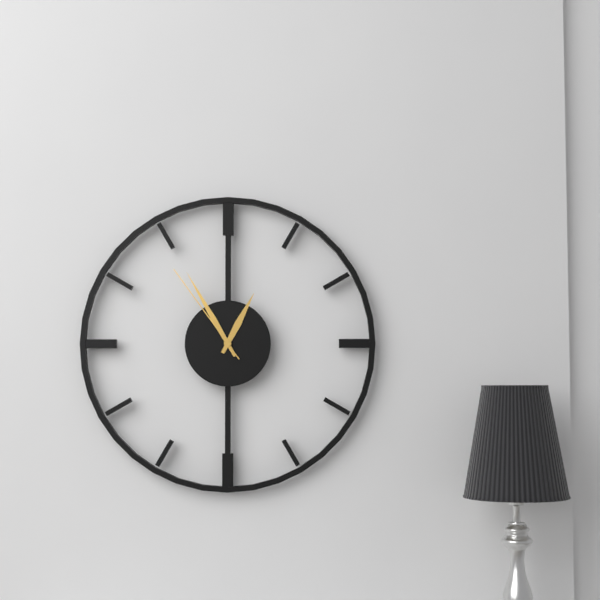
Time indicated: 12:55:54
